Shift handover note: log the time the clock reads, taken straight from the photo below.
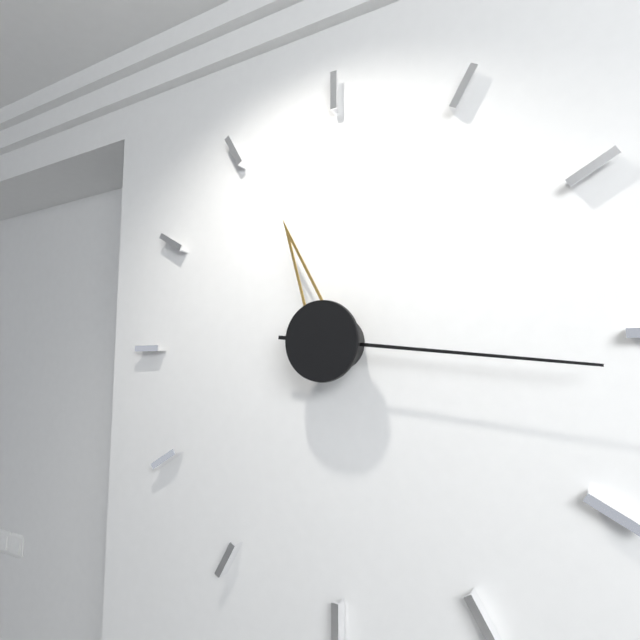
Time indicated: 11:16
